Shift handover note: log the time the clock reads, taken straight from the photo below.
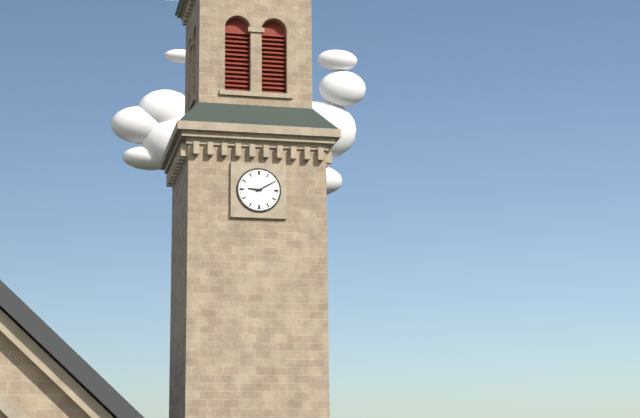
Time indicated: 9:10
